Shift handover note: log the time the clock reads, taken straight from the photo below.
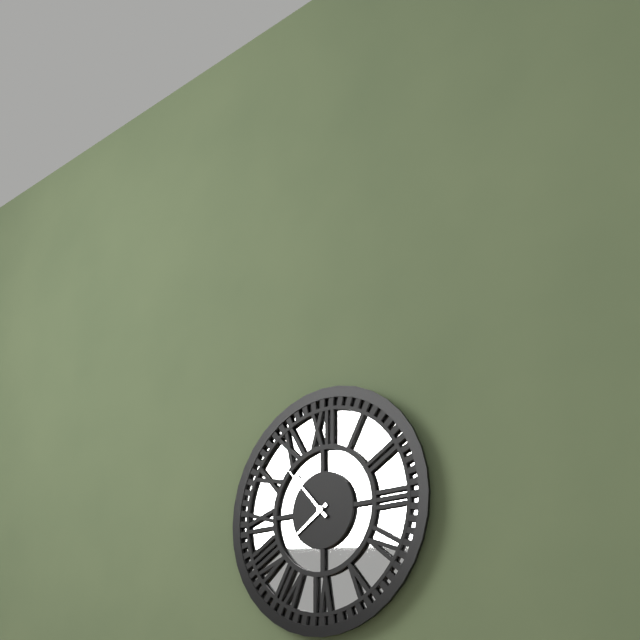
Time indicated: 7:53
